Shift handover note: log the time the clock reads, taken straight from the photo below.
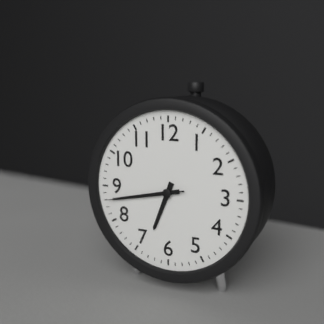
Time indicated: 6:43:43
